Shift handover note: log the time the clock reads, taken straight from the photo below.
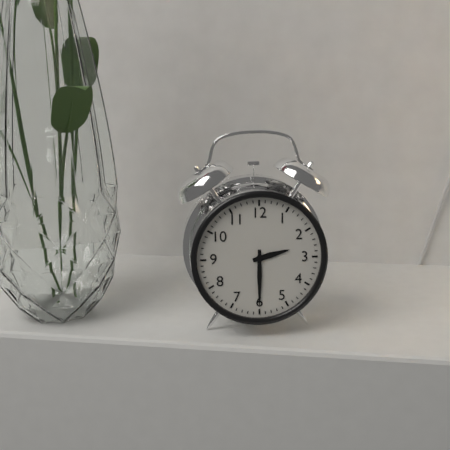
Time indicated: 2:30
